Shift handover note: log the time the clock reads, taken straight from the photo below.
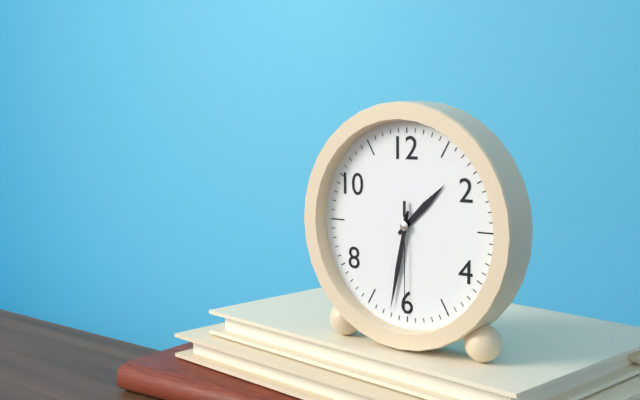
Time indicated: 1:32:30
